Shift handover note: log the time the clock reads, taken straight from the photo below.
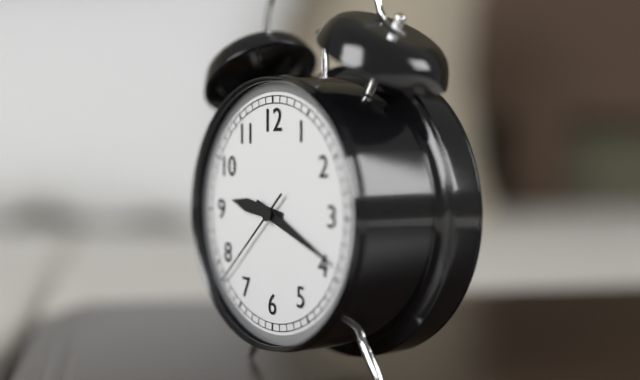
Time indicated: 9:19:38
